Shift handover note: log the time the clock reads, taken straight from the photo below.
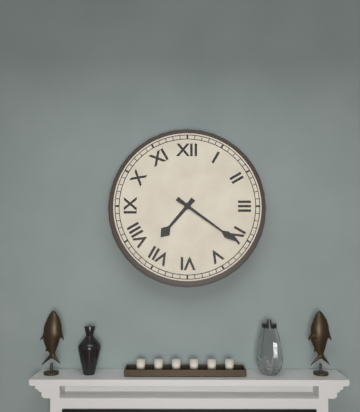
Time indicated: 7:21
